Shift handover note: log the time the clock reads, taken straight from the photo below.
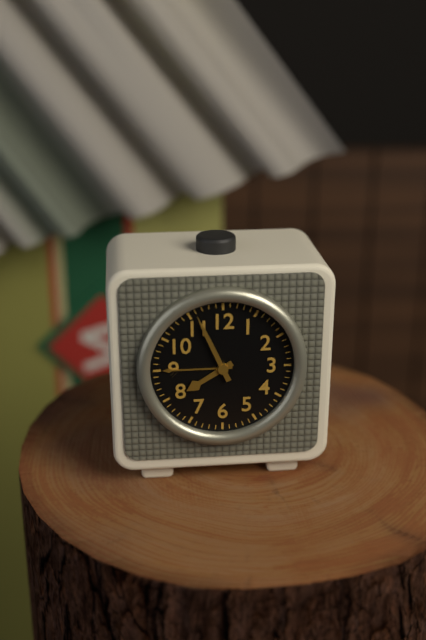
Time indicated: 7:56
